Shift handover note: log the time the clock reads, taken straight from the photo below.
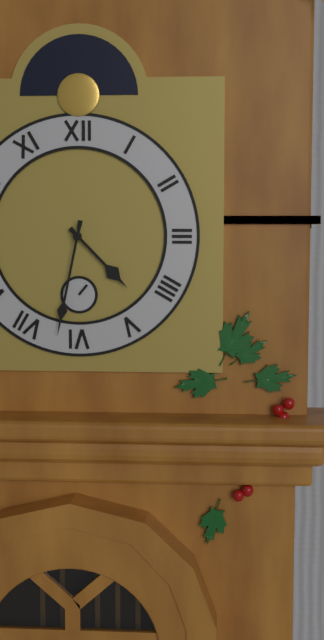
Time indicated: 4:32
